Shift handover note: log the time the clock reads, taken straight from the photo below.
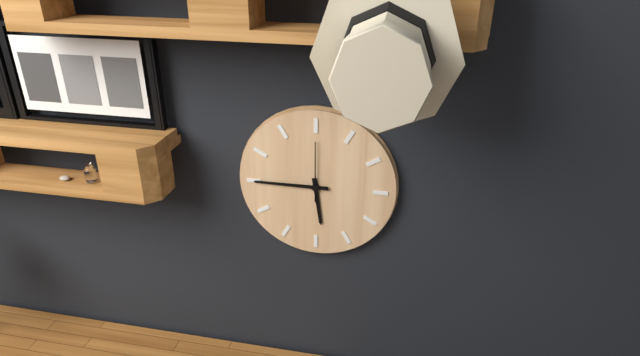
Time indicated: 5:45:00
